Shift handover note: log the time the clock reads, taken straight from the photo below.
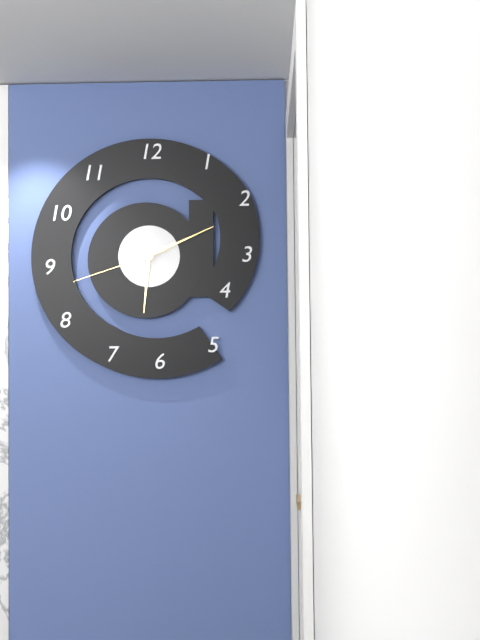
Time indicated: 6:11:42
